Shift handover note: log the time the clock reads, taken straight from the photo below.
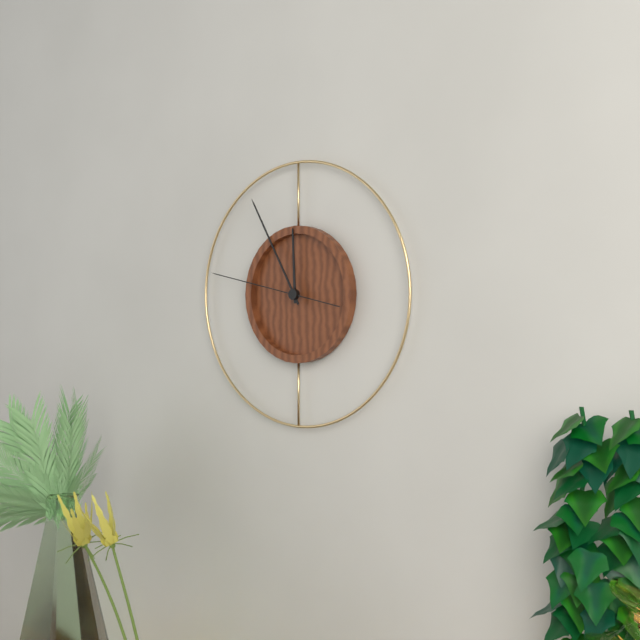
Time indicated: 11:55:47
